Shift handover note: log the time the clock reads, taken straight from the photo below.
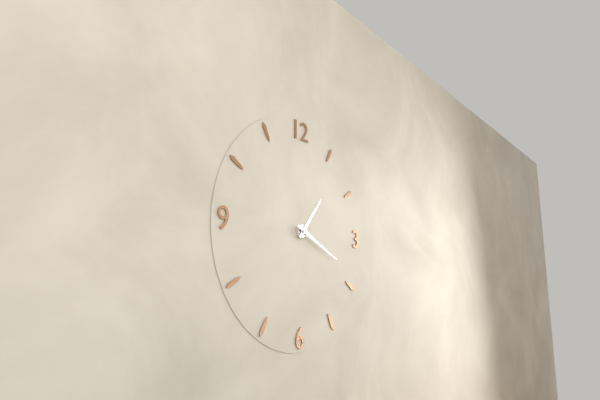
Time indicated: 1:19
